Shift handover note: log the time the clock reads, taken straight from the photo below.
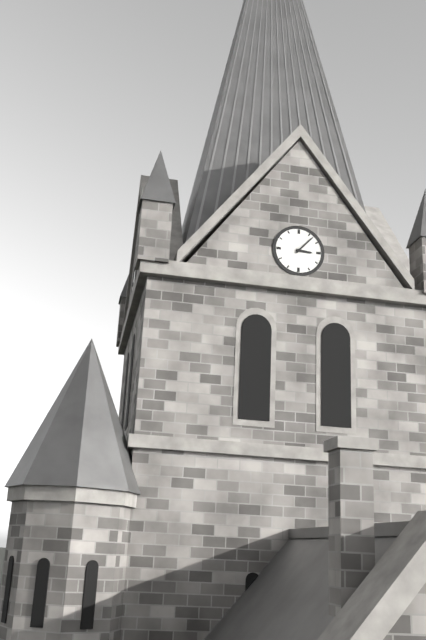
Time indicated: 3:07
